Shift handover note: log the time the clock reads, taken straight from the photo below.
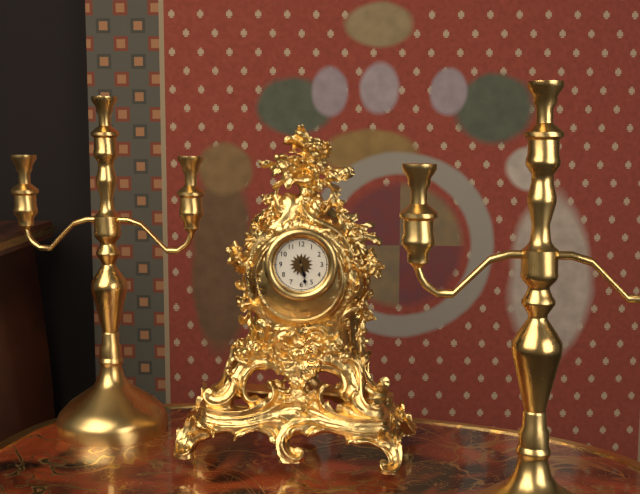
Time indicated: 5:28
